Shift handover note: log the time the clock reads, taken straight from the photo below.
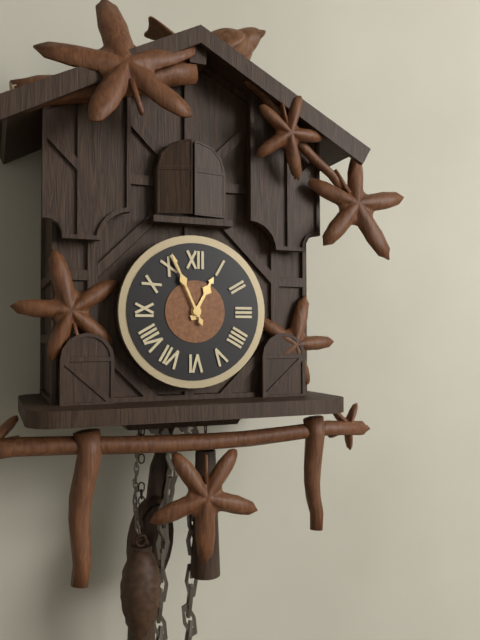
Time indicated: 12:56
